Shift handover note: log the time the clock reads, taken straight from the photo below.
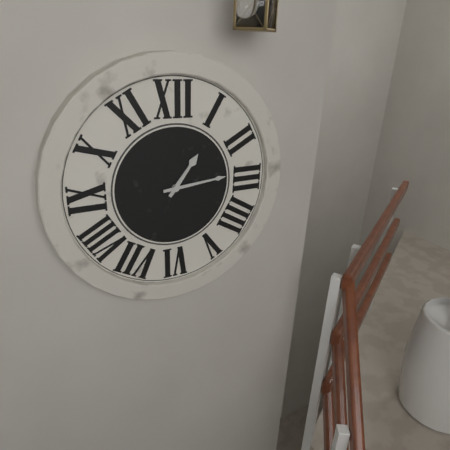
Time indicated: 1:14
